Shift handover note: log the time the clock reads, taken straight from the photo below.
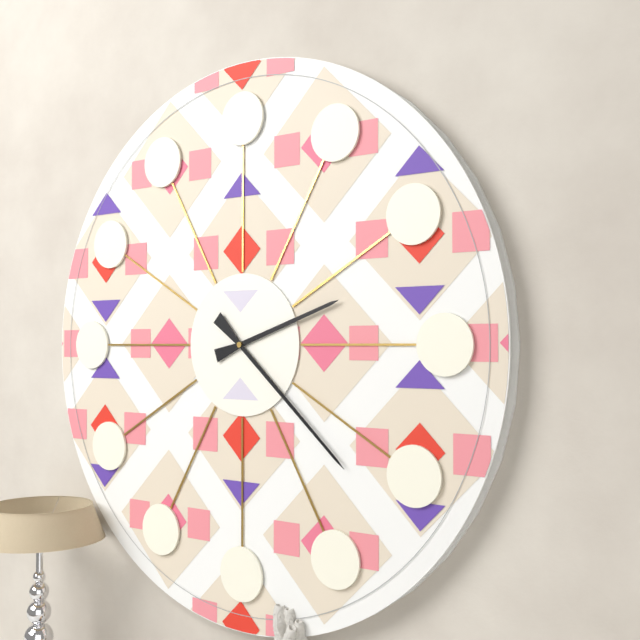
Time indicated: 2:22
